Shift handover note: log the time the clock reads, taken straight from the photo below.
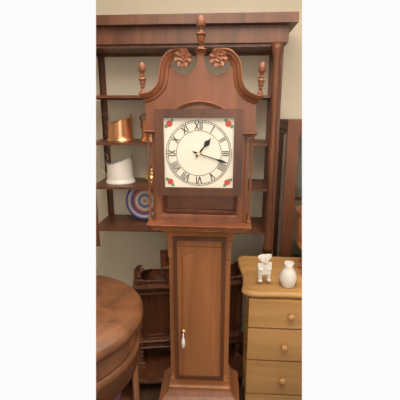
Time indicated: 1:18
